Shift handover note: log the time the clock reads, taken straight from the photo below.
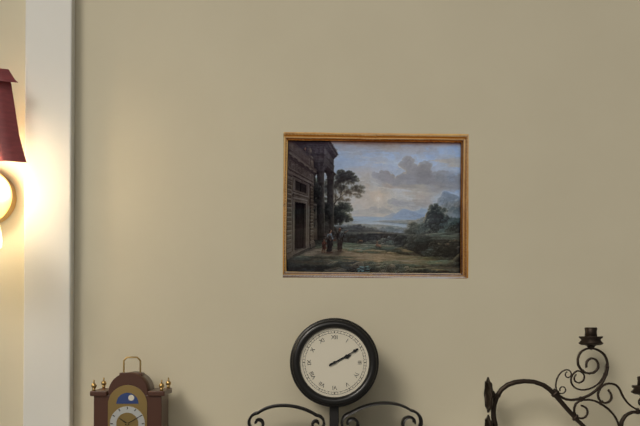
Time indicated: 2:10
